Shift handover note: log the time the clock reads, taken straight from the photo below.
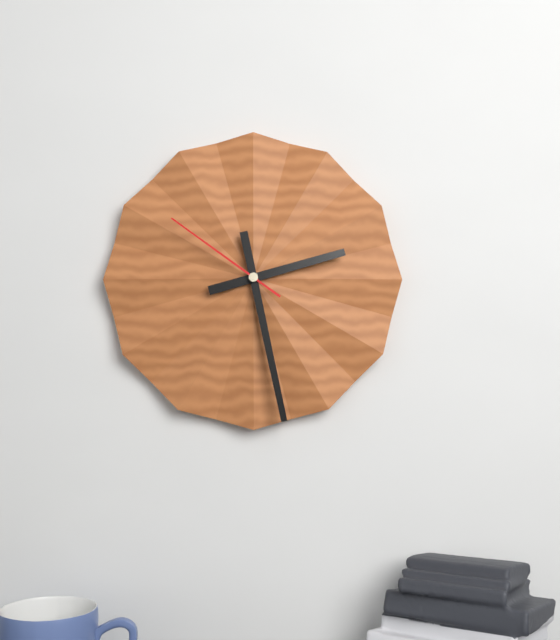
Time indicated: 2:28:51
